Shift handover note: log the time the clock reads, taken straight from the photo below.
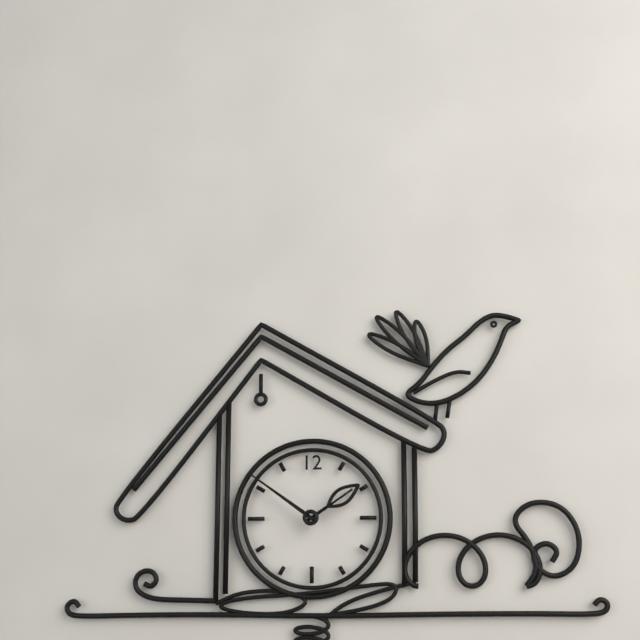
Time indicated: 1:51
